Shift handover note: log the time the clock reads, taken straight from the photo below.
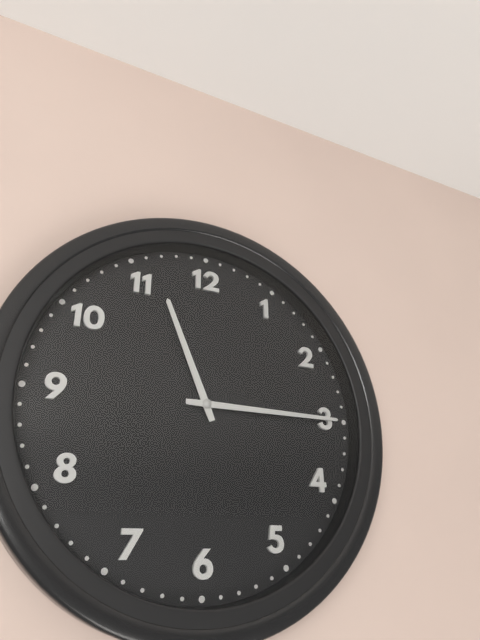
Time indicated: 11:15
